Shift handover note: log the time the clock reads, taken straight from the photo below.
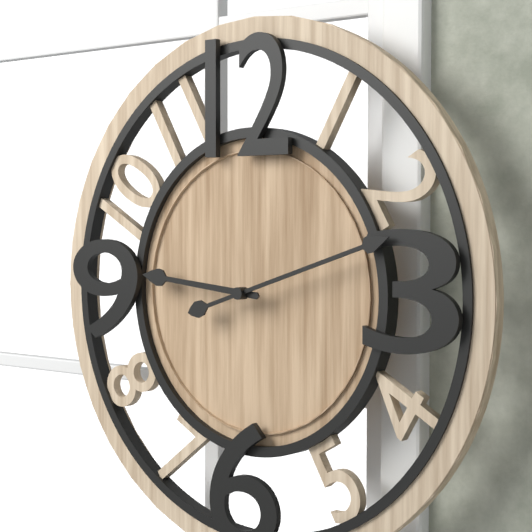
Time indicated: 9:12
